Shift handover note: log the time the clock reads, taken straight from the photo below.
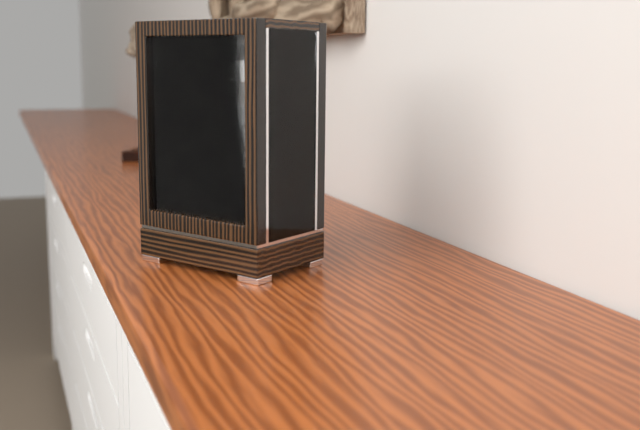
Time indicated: 4:56
